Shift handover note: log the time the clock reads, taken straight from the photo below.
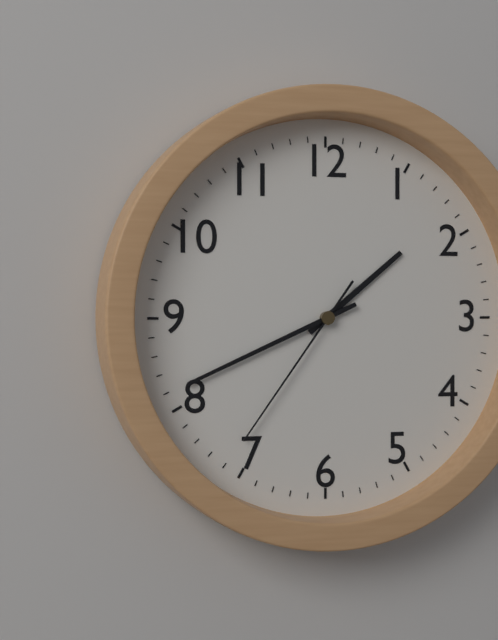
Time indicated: 1:41:36
